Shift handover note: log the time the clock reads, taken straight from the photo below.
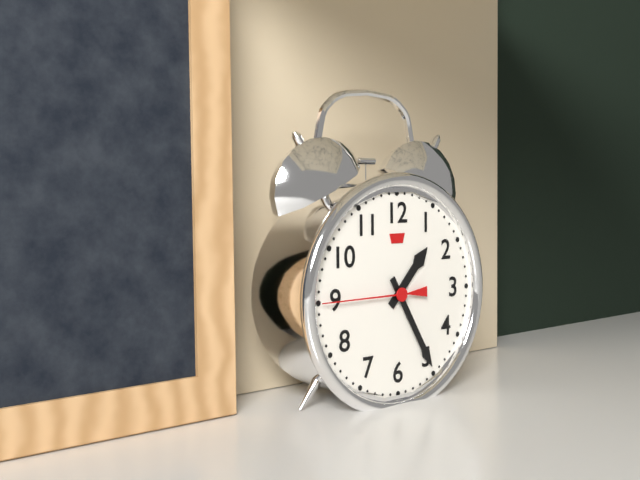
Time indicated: 1:25:45
